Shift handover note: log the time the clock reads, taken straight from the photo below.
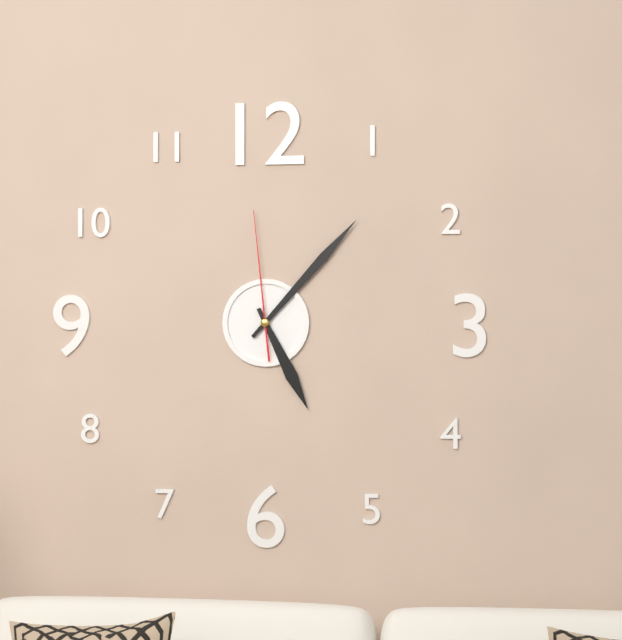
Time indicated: 5:07:59
